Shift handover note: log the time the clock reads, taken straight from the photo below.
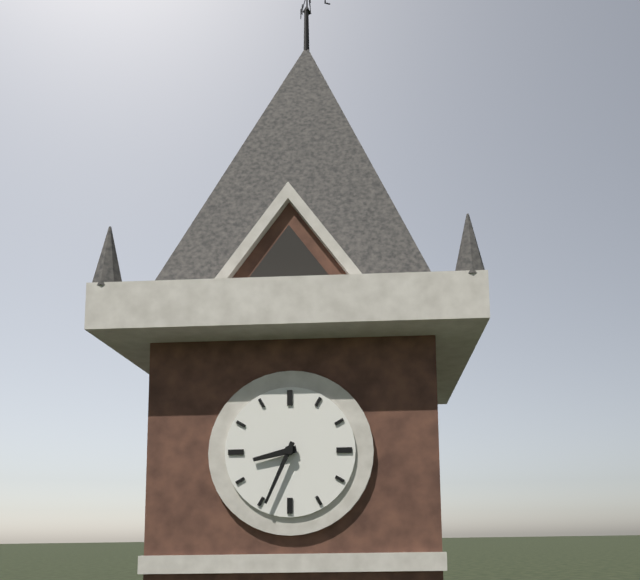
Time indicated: 8:34
